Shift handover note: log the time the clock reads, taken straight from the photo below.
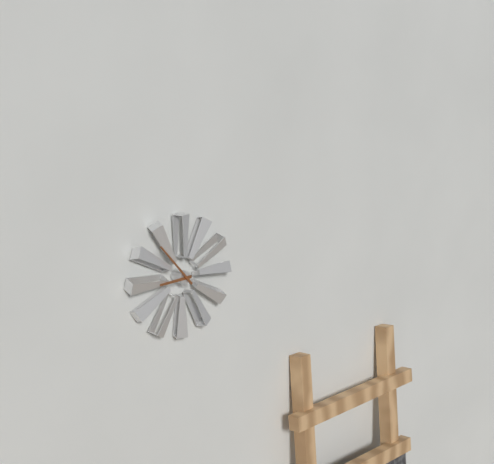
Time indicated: 8:53
